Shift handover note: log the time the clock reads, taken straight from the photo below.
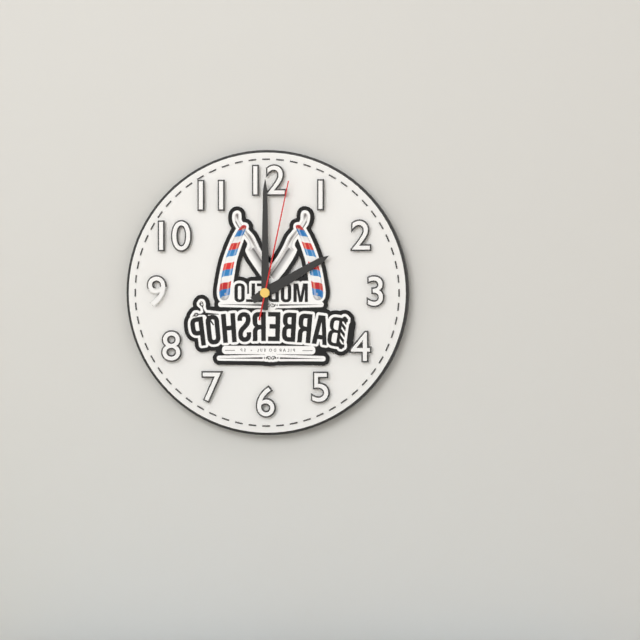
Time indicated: 2:00:02
